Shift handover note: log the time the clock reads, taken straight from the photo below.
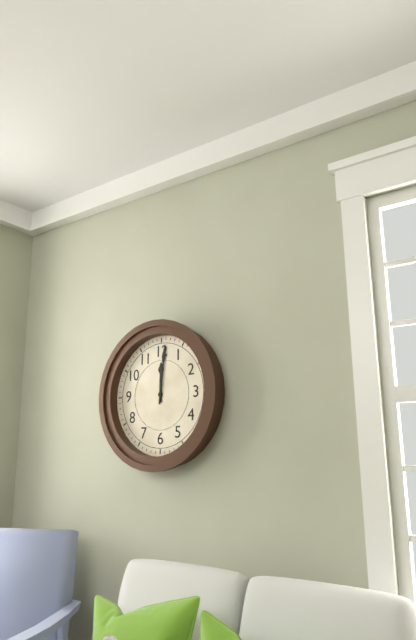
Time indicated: 12:01
